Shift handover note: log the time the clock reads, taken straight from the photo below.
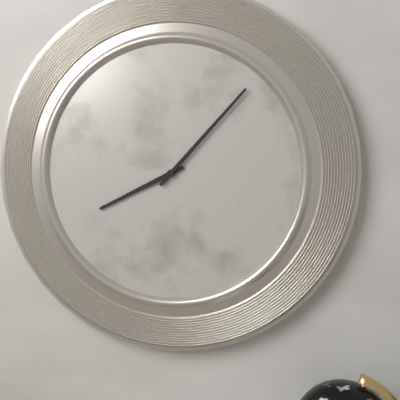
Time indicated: 8:07
